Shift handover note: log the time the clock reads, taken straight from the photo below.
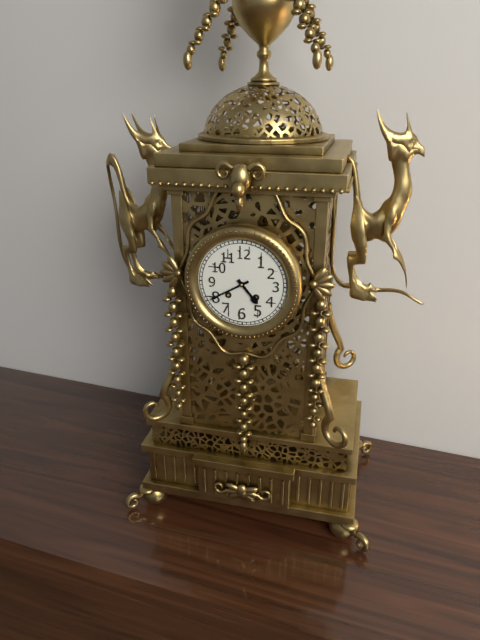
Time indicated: 4:40
